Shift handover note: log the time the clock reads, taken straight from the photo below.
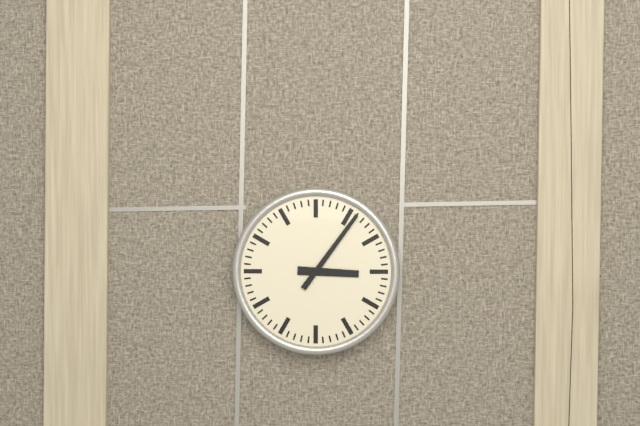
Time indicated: 3:06
